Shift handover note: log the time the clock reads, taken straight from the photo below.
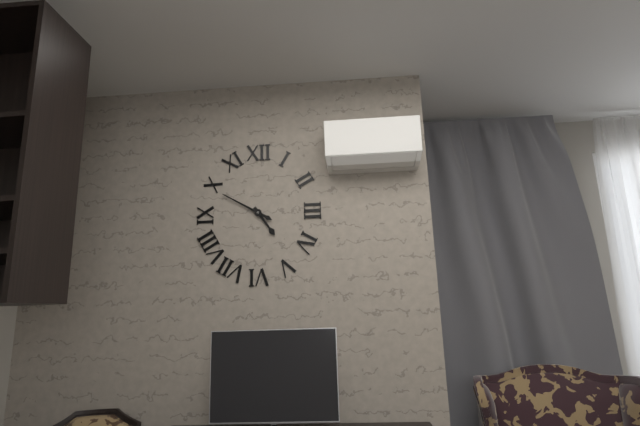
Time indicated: 4:50
